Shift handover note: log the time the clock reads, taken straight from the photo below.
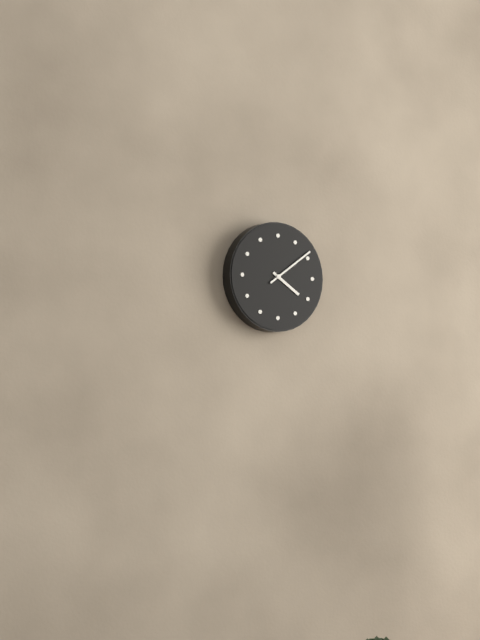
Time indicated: 4:09
